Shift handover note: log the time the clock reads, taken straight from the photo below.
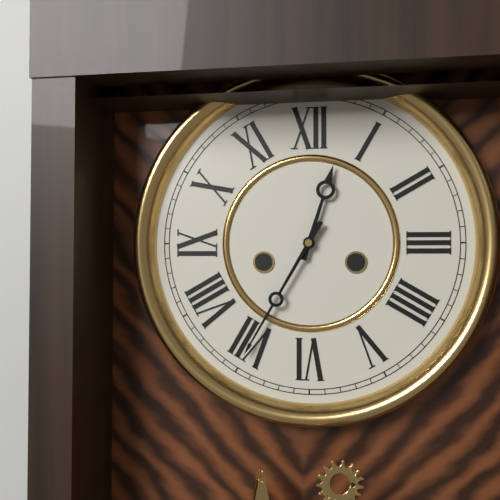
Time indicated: 12:35
